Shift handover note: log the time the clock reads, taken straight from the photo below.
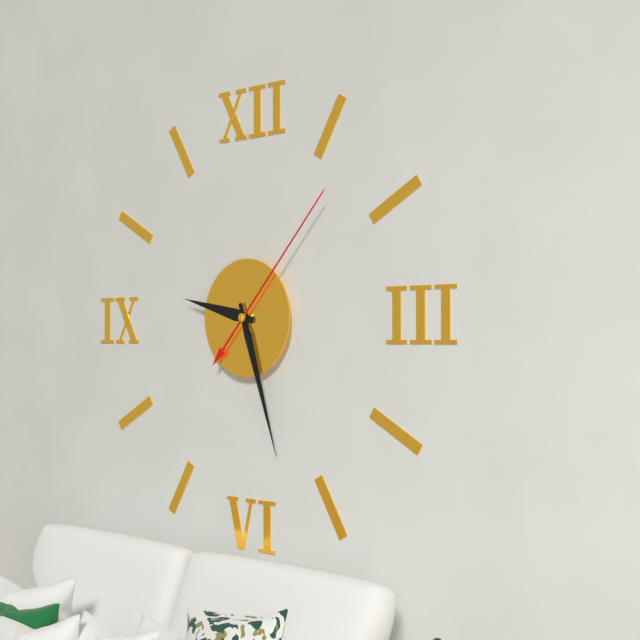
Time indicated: 9:27:07
